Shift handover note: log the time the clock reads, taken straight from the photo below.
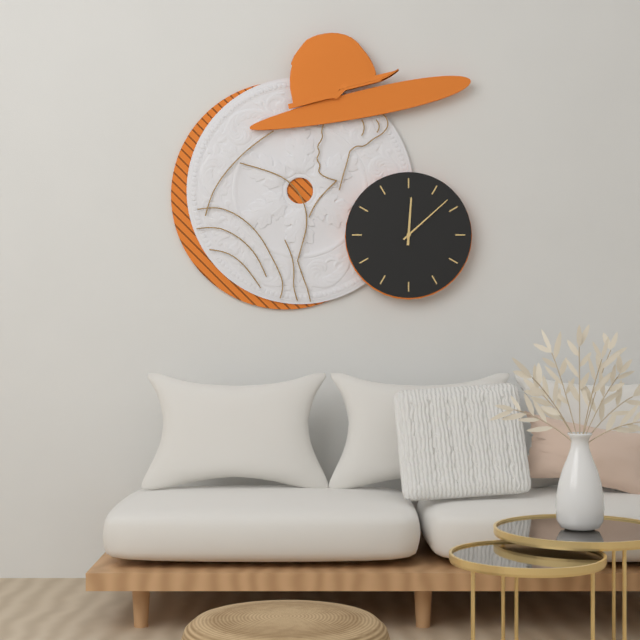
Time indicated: 12:08
